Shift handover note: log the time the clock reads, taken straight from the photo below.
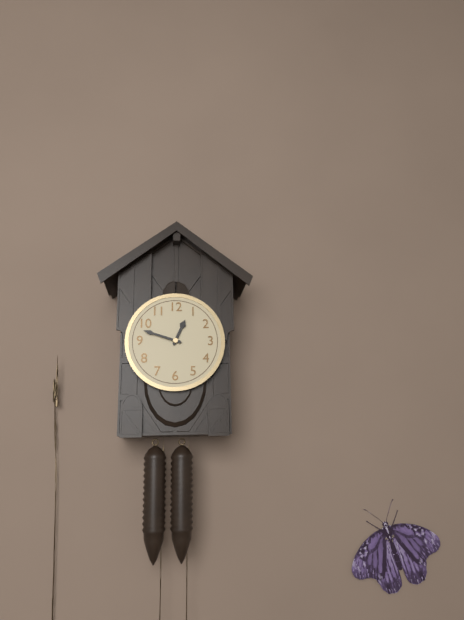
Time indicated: 12:48
